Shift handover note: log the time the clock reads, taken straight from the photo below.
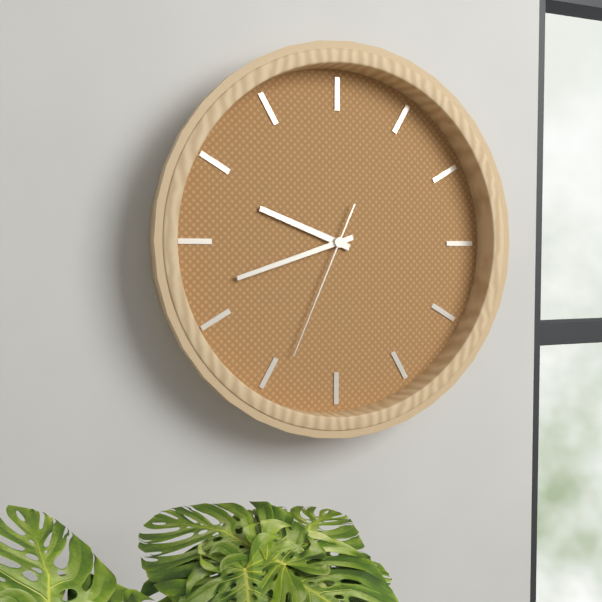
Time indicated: 9:42:34
